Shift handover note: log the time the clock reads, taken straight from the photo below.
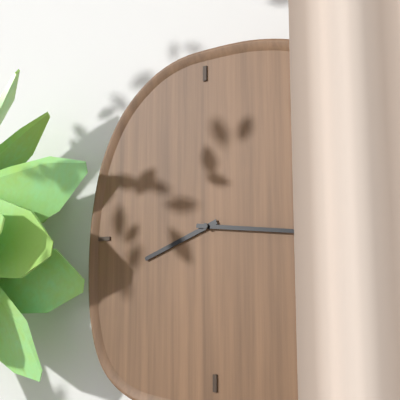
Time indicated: 8:16
